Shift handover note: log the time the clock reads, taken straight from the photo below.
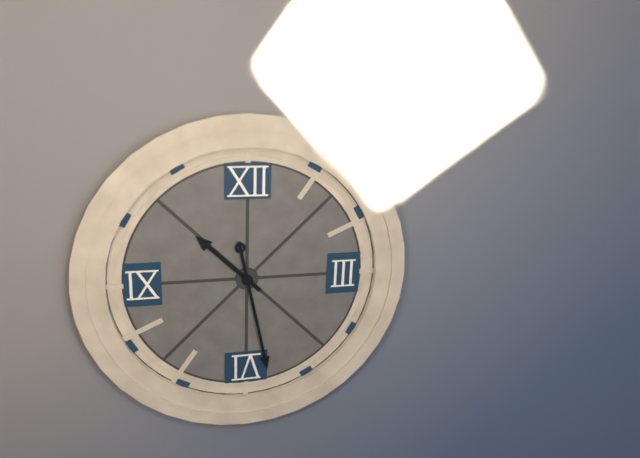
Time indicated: 10:28
